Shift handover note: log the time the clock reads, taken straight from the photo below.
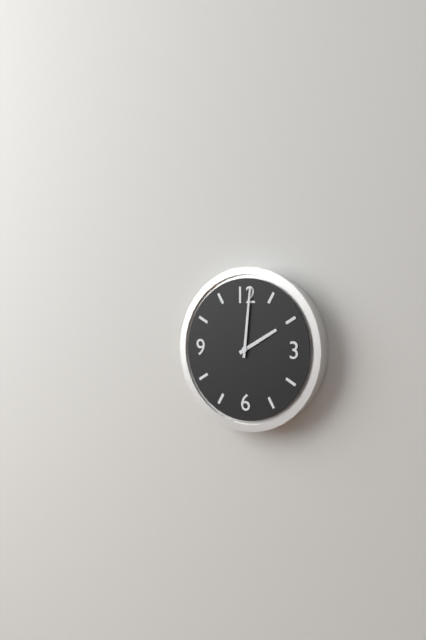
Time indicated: 2:01
